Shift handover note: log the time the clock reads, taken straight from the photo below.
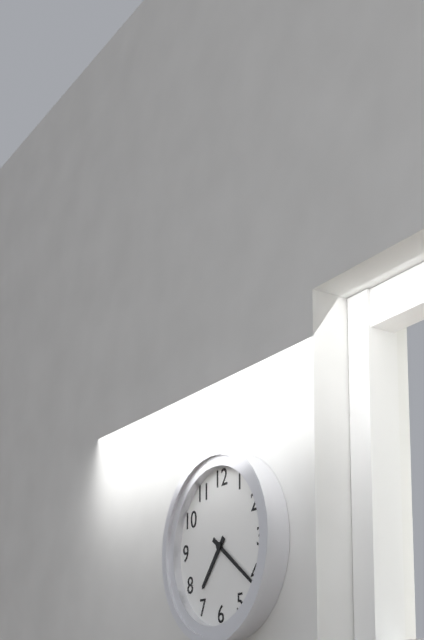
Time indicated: 7:21
